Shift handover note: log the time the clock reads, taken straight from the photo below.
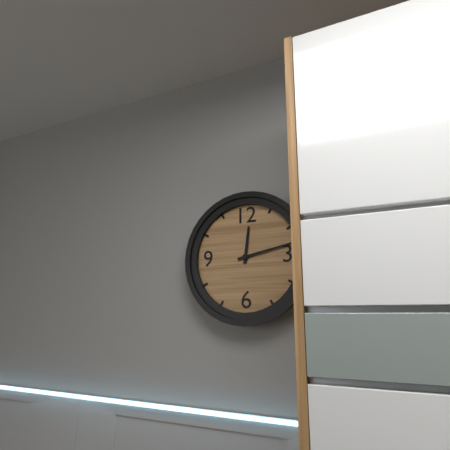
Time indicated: 12:13
